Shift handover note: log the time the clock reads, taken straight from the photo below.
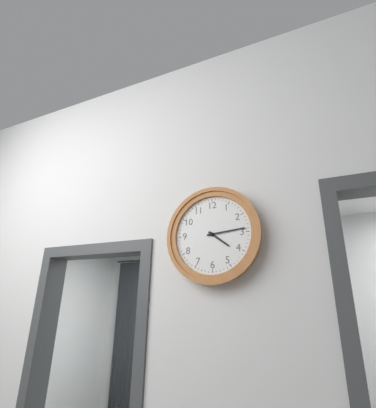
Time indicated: 4:14
